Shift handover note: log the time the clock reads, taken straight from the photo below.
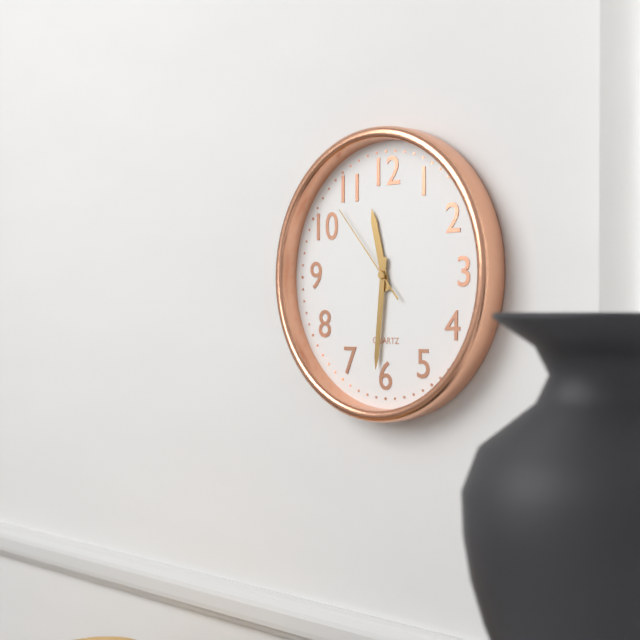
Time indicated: 11:31:53
